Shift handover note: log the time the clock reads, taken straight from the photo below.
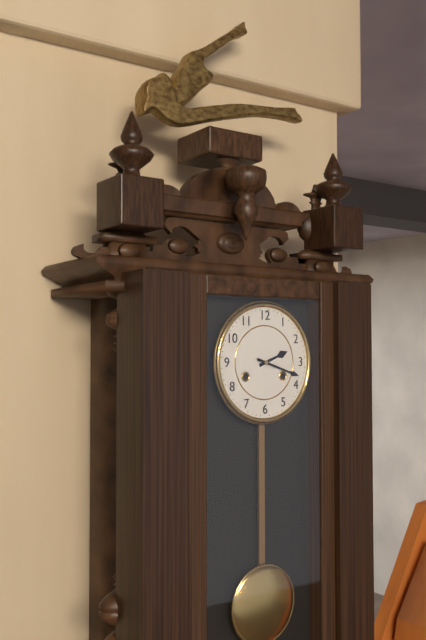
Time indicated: 2:18
